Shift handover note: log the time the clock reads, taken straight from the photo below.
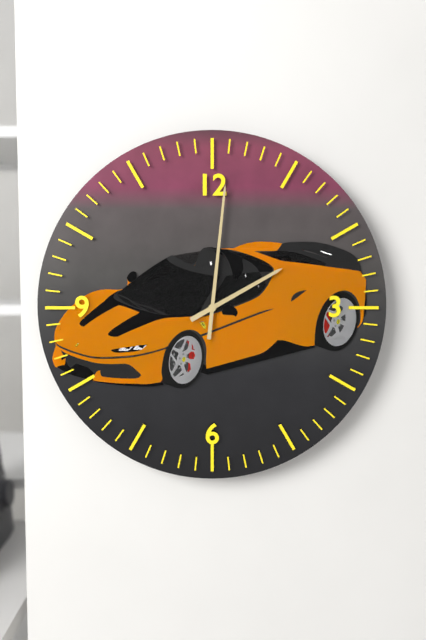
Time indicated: 2:01
